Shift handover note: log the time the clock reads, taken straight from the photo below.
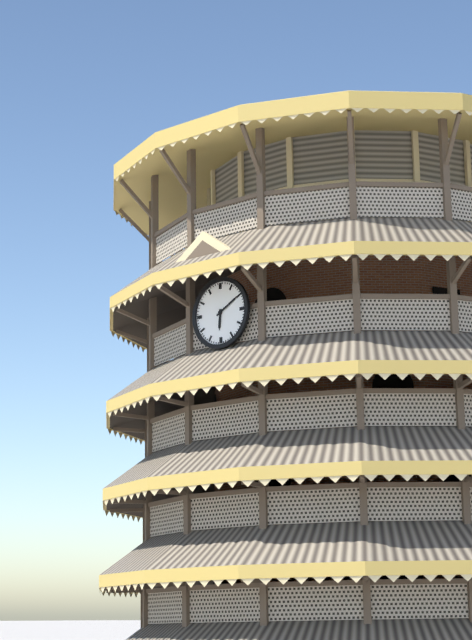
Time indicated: 6:10
